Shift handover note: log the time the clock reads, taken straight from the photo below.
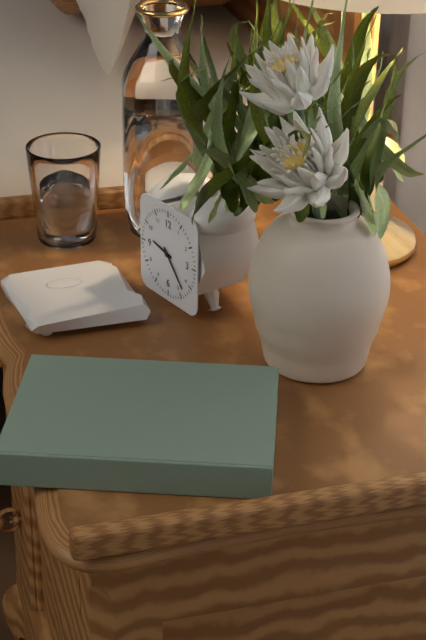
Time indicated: 9:23
